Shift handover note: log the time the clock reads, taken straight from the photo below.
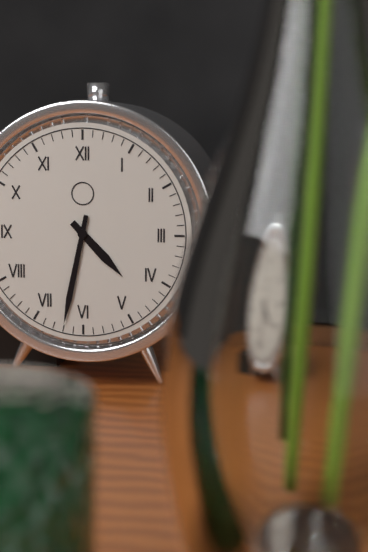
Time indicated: 4:32
